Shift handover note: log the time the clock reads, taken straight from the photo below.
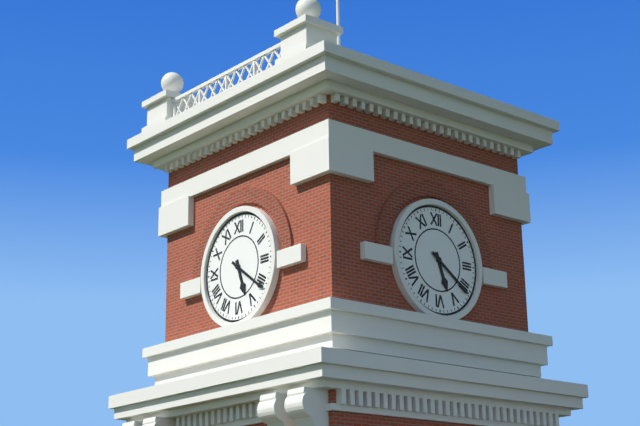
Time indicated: 5:21
